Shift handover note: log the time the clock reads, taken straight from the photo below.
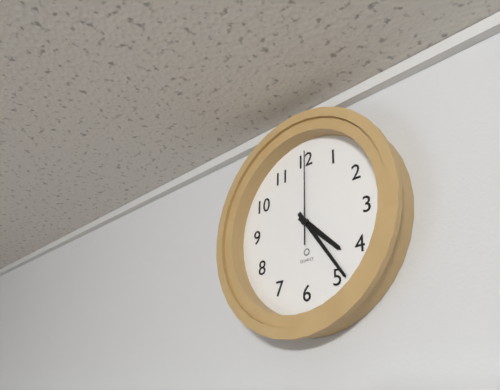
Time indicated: 4:24:00
